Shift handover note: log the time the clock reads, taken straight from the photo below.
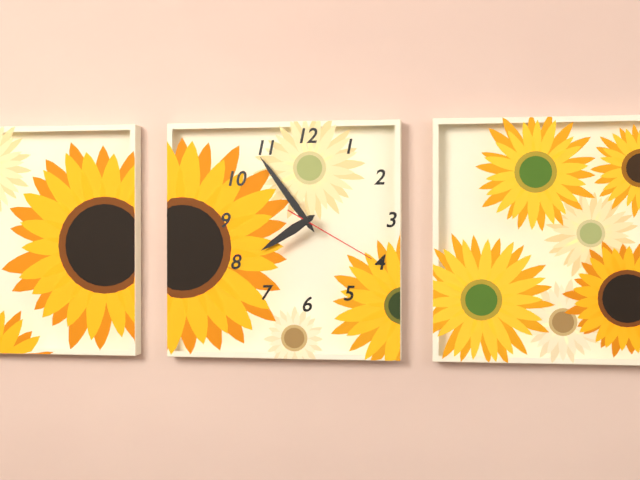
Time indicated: 7:54:20
